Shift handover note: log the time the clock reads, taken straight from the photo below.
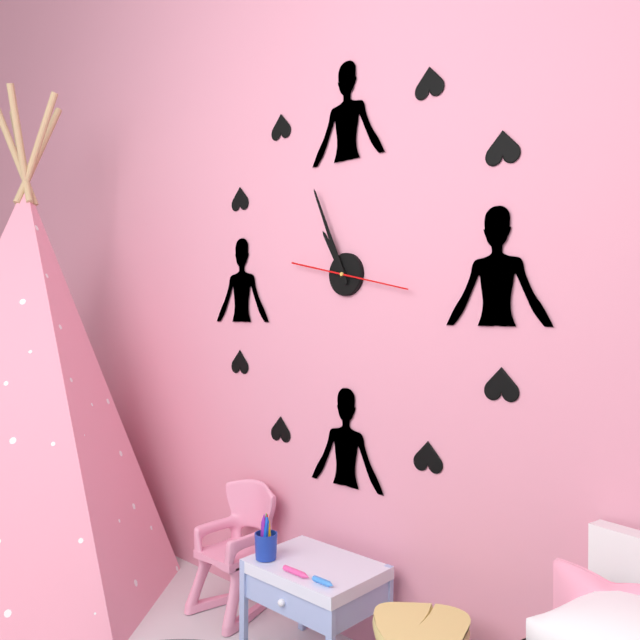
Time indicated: 10:56:17
